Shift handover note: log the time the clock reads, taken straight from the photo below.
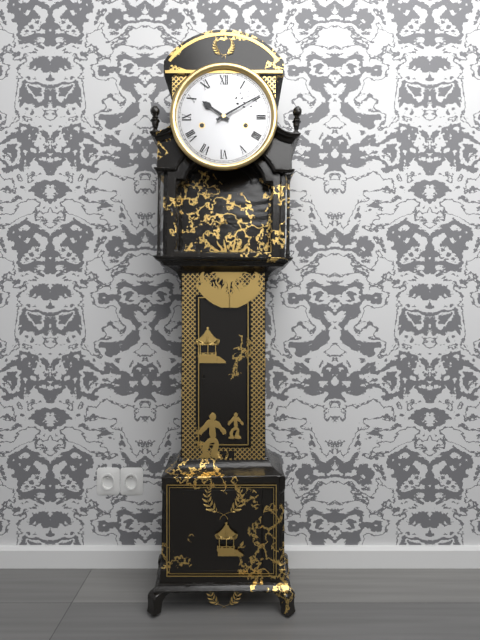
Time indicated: 10:10
